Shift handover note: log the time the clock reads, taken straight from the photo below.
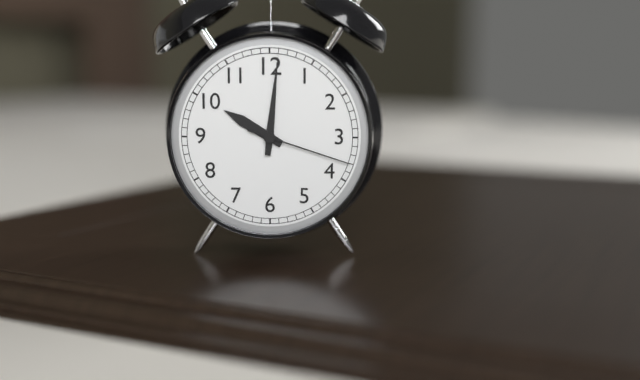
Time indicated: 10:01:18
